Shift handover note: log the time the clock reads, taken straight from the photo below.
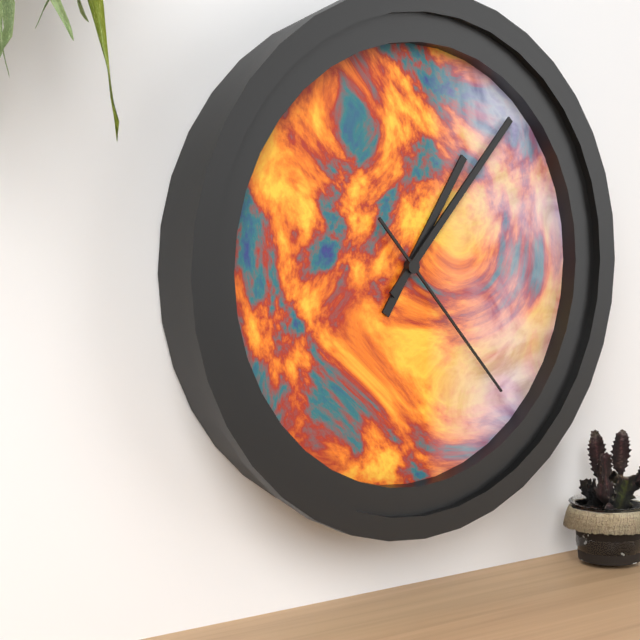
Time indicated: 1:07:23
